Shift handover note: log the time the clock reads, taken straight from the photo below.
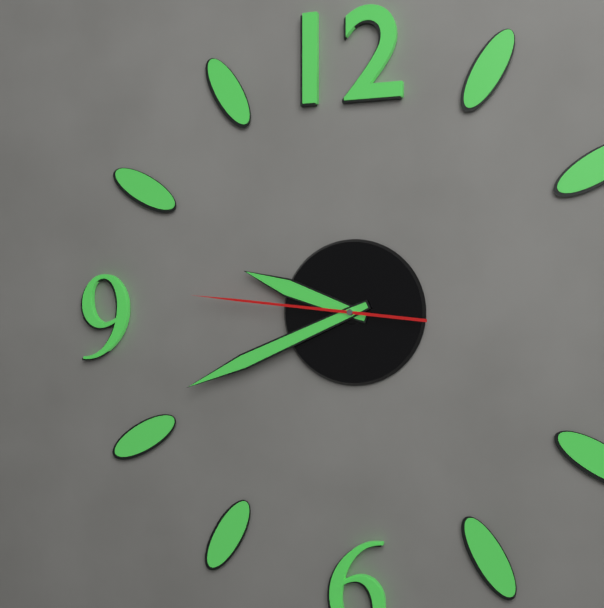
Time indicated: 9:41:46
